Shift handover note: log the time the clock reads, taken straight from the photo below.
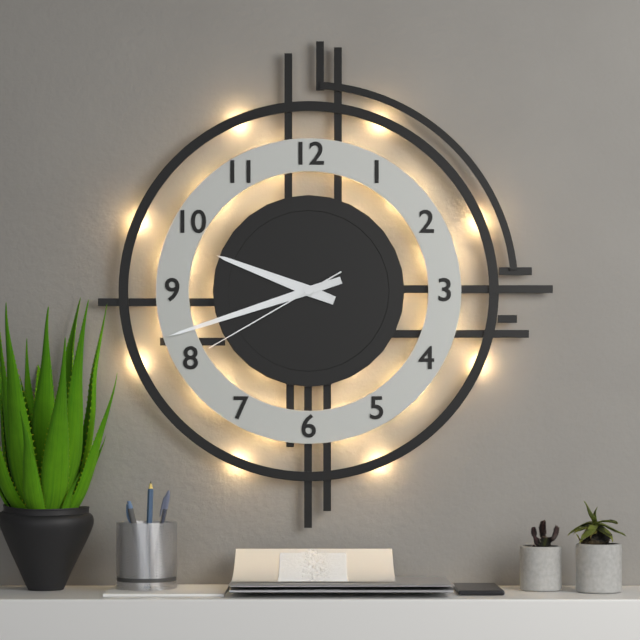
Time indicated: 9:42:40
